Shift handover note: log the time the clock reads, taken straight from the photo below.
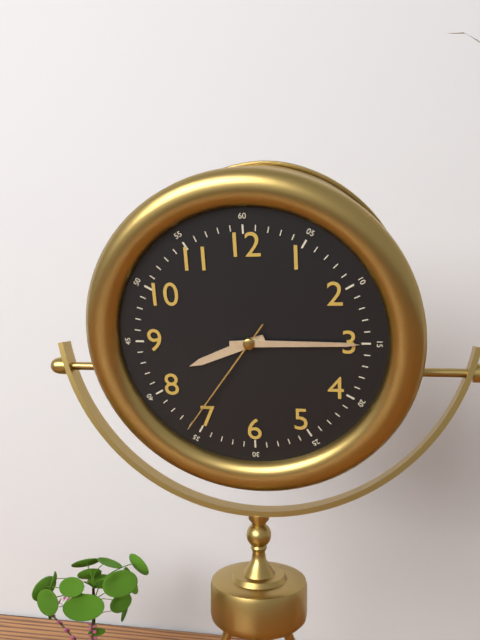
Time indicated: 8:15:36
